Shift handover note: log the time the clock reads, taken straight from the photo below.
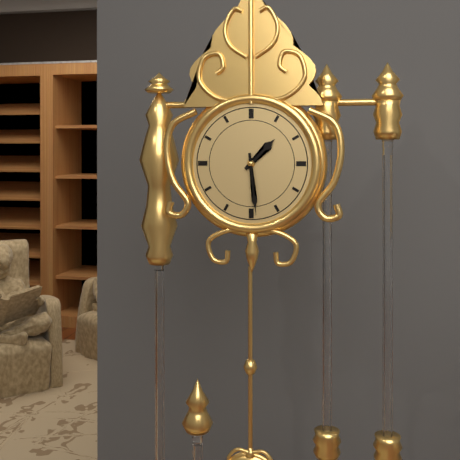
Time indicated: 1:29
